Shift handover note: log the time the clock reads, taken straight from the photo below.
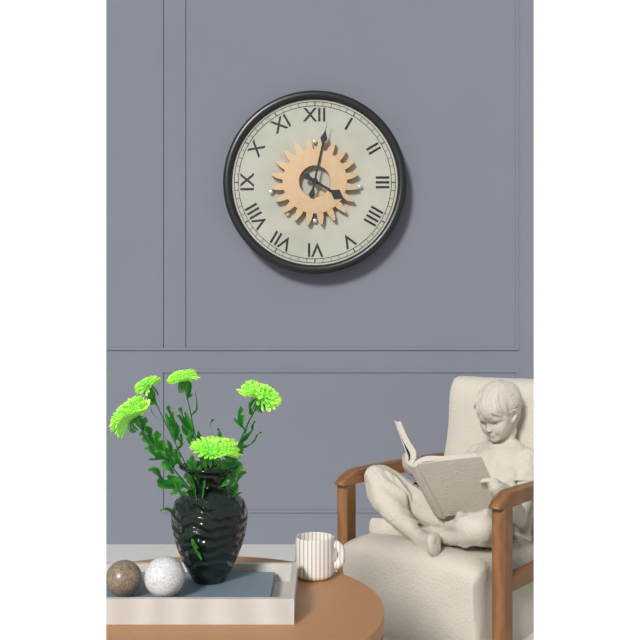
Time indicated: 4:02
